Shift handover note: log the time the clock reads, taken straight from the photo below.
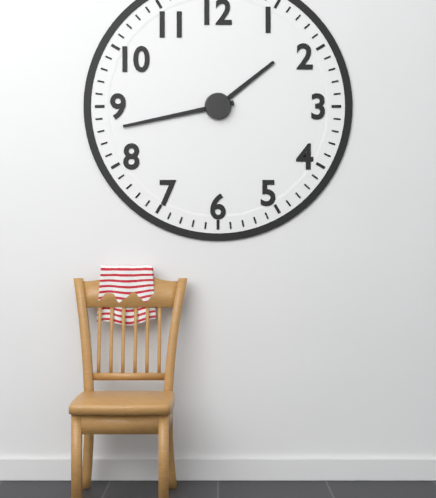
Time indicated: 1:43
